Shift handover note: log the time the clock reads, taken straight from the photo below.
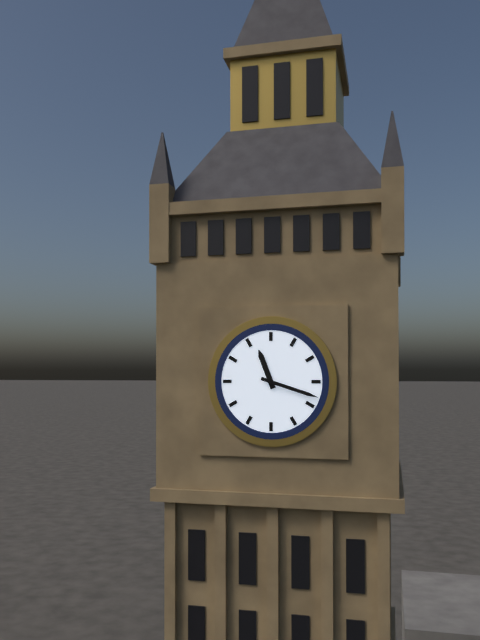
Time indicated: 11:18
